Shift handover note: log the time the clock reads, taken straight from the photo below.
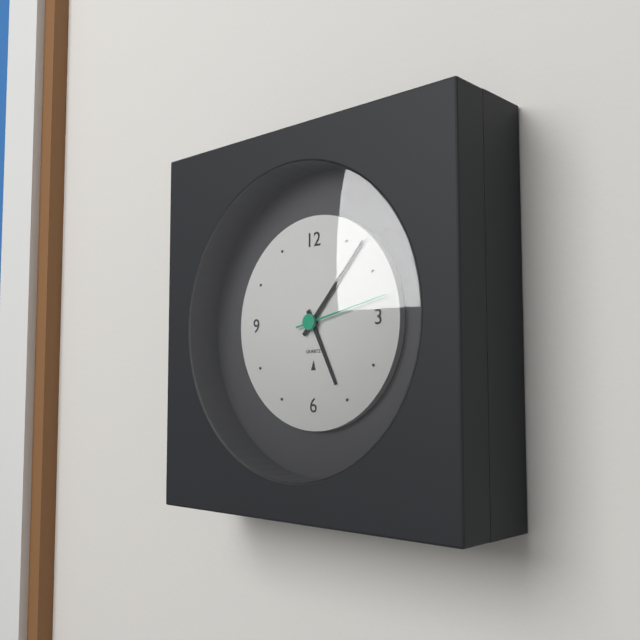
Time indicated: 5:07:13
